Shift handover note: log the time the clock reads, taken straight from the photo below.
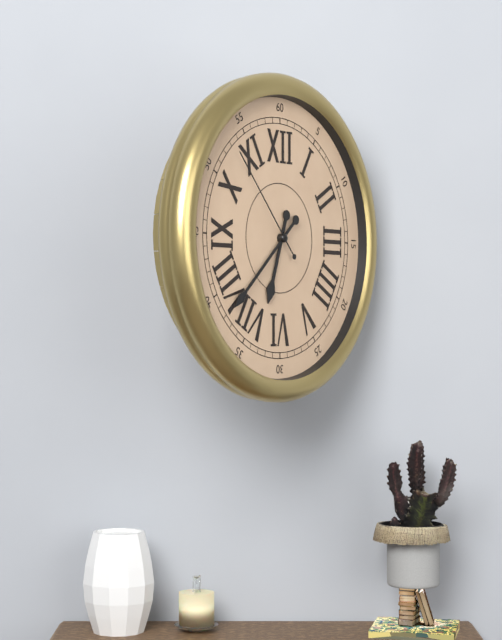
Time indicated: 6:38:53
